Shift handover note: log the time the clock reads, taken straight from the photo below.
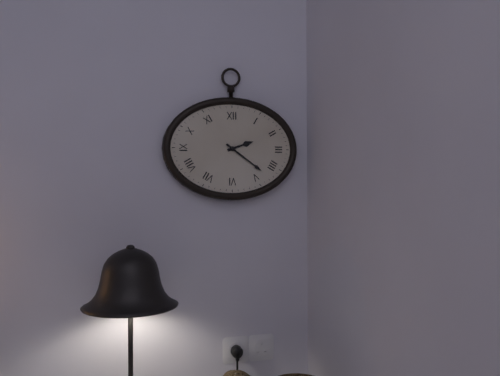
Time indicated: 2:21
